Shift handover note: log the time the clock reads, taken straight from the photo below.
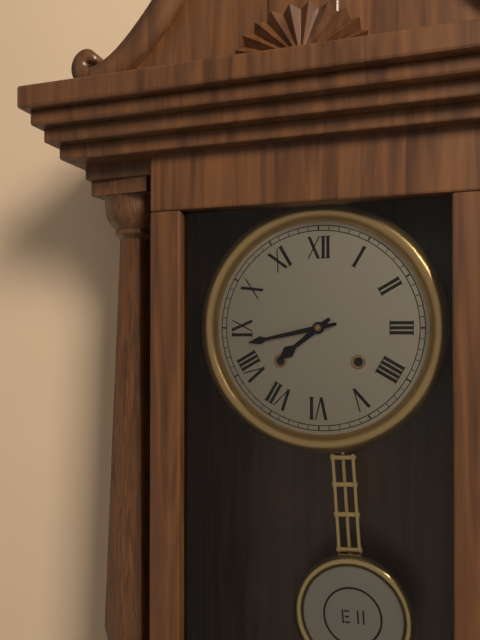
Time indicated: 7:43
